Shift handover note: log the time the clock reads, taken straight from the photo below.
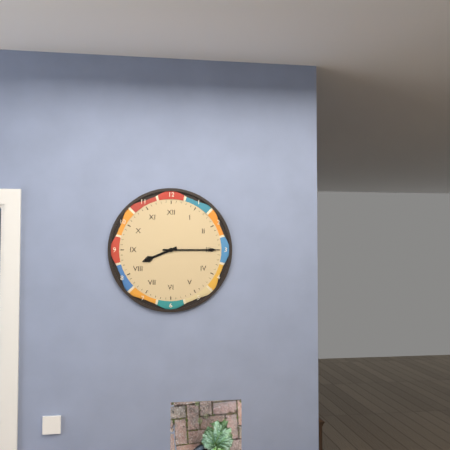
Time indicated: 8:15
